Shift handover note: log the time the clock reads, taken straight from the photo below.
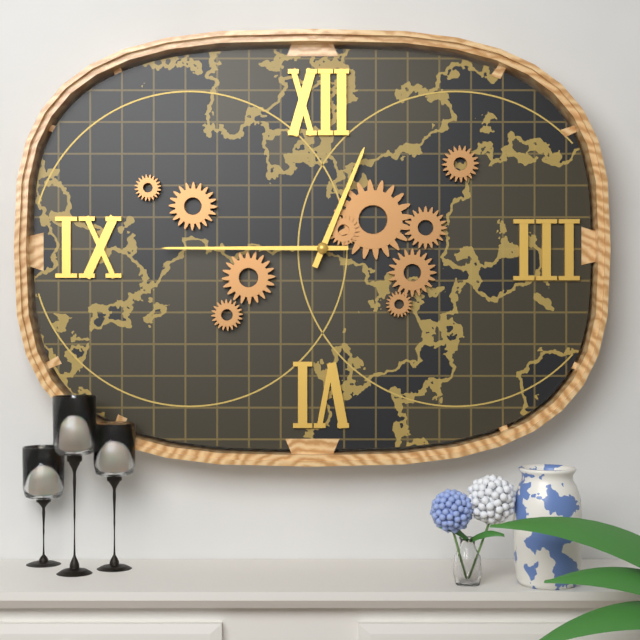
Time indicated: 12:45
